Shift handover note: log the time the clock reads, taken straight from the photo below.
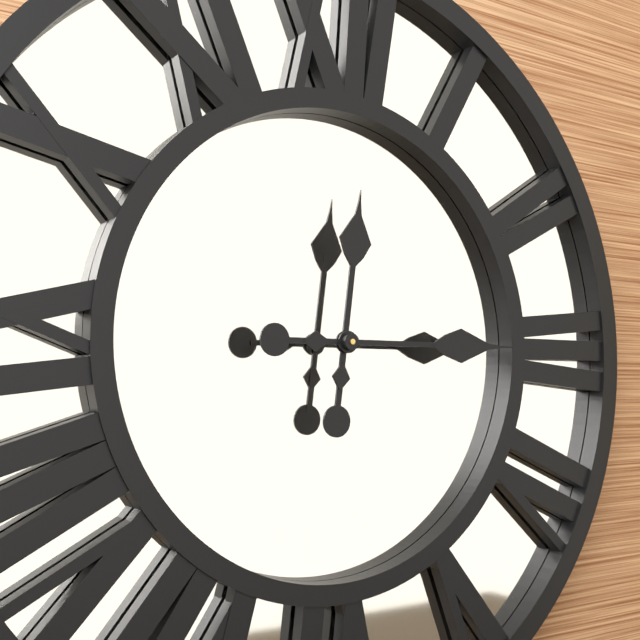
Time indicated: 12:15
